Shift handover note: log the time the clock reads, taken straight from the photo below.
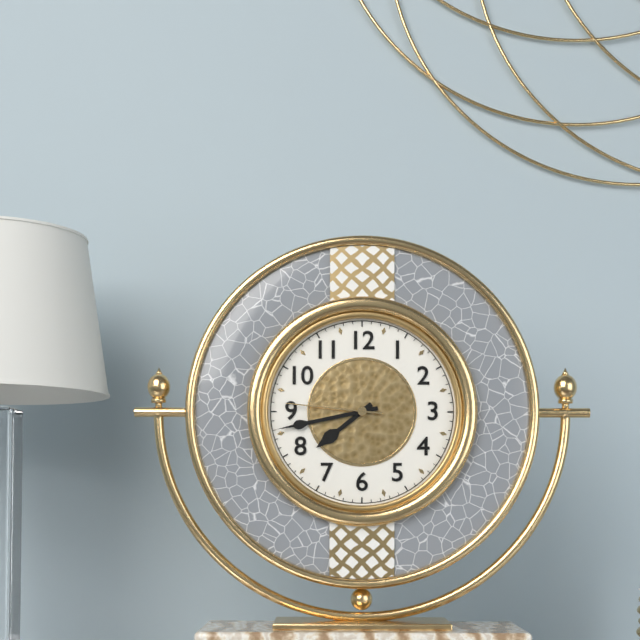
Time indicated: 7:43:46
